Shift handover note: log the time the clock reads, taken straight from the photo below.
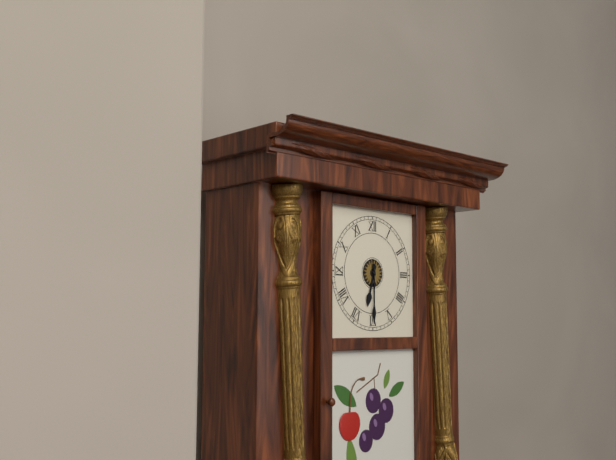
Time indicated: 6:30
